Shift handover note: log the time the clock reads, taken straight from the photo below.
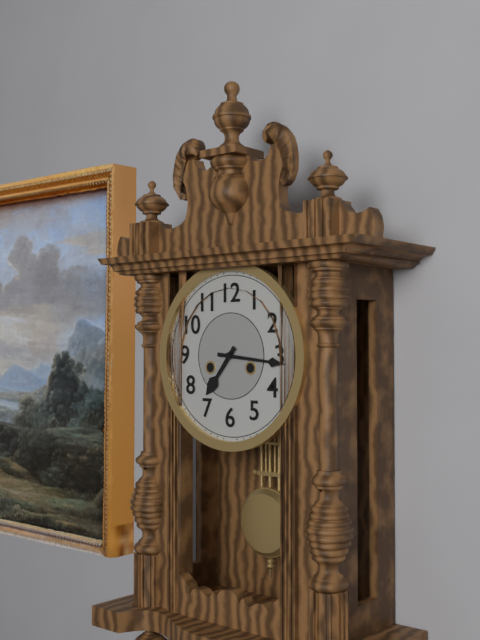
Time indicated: 7:16
